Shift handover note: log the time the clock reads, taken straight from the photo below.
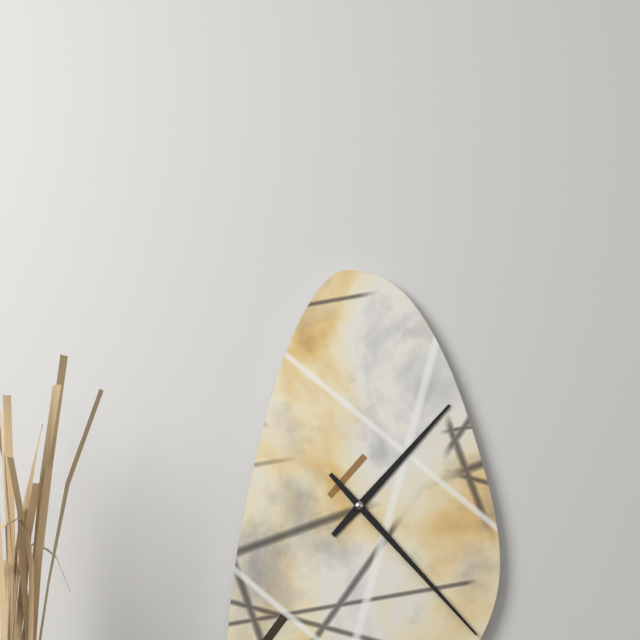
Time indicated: 1:23
